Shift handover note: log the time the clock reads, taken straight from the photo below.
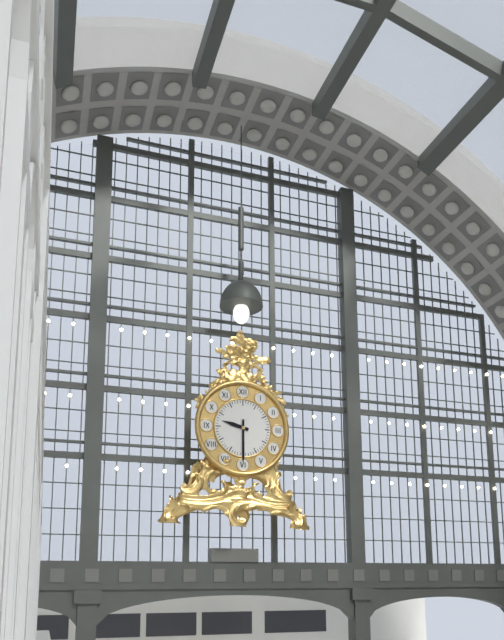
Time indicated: 9:30
